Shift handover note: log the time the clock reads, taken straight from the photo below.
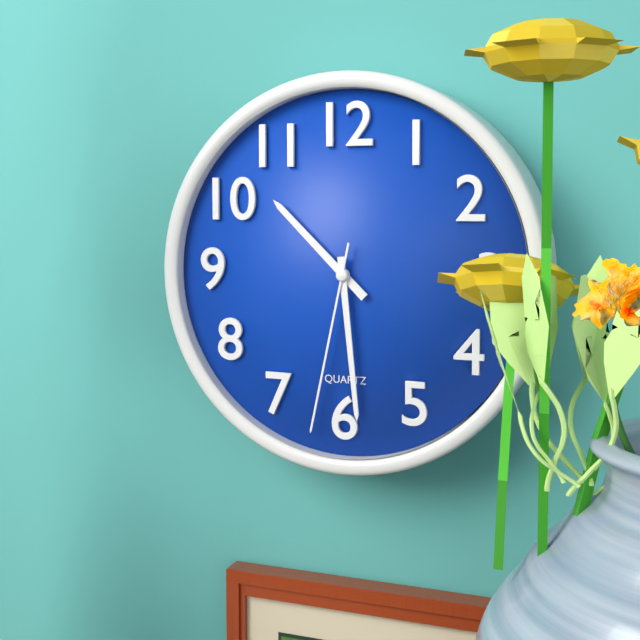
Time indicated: 10:29:32
